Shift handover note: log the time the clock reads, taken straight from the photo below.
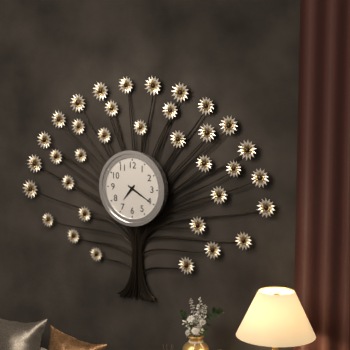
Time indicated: 7:20
